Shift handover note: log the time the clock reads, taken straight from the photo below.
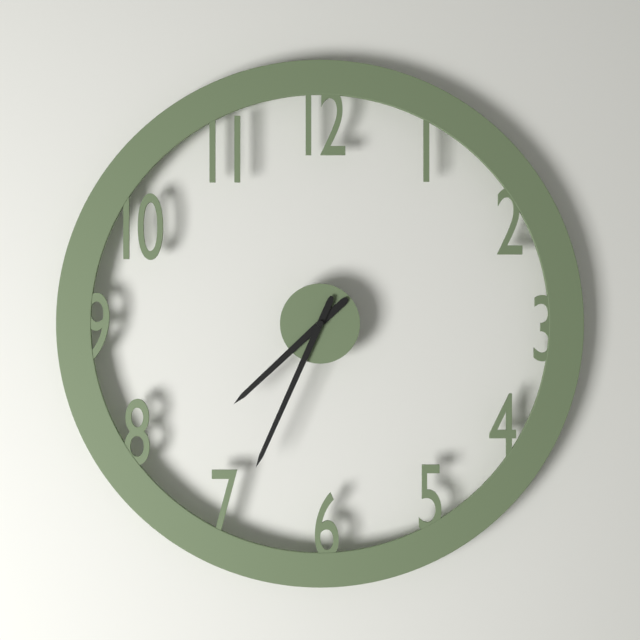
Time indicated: 7:34
